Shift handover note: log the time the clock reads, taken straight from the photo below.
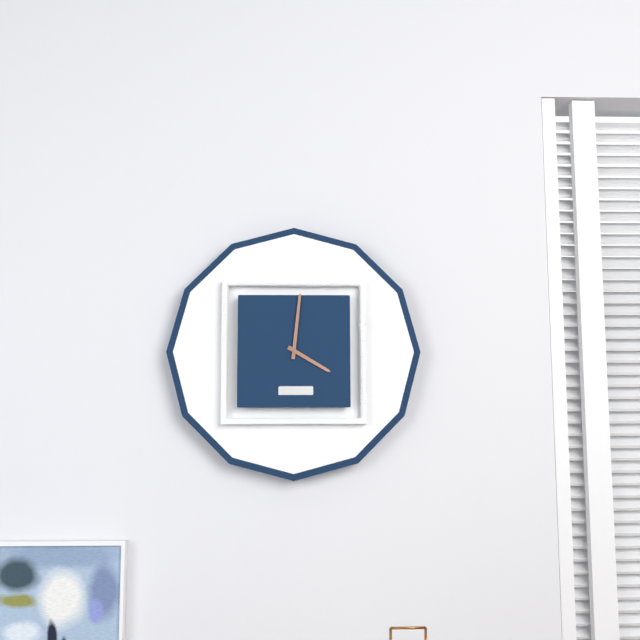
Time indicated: 4:01
